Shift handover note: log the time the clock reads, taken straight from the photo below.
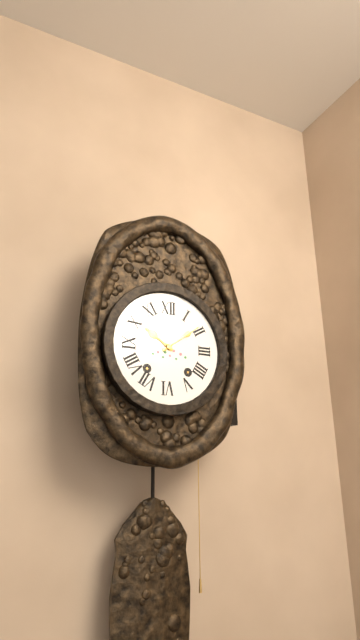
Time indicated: 10:09
